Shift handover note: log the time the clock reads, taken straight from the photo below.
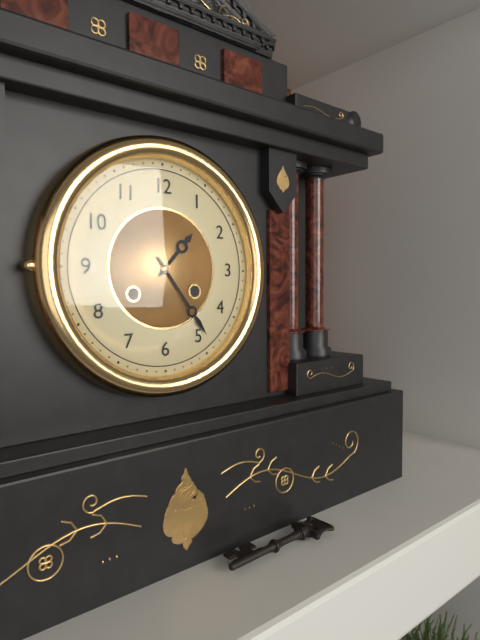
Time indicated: 1:24
